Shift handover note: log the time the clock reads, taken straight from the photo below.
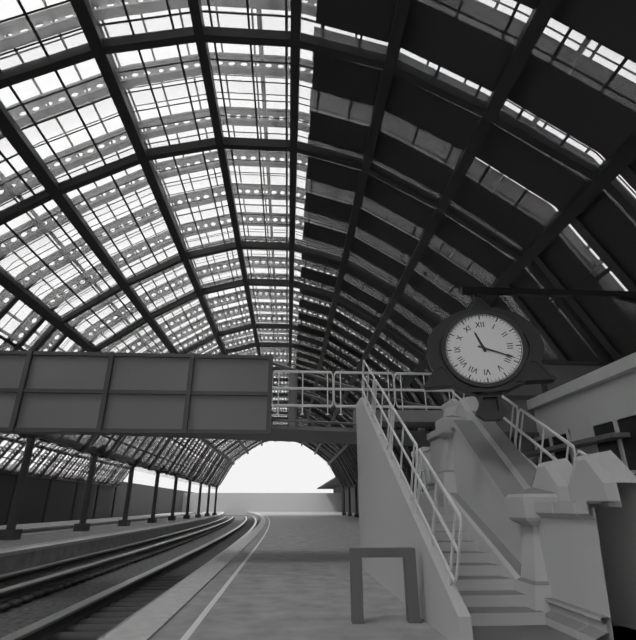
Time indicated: 11:19
